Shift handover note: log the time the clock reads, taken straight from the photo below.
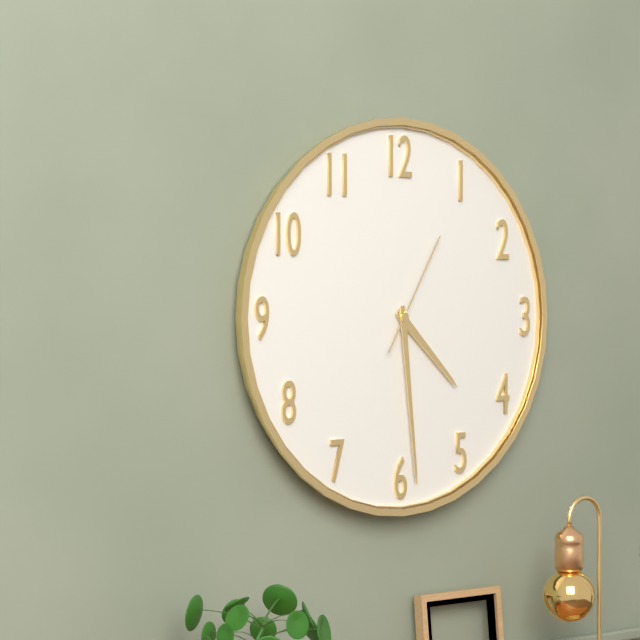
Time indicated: 4:29:05
